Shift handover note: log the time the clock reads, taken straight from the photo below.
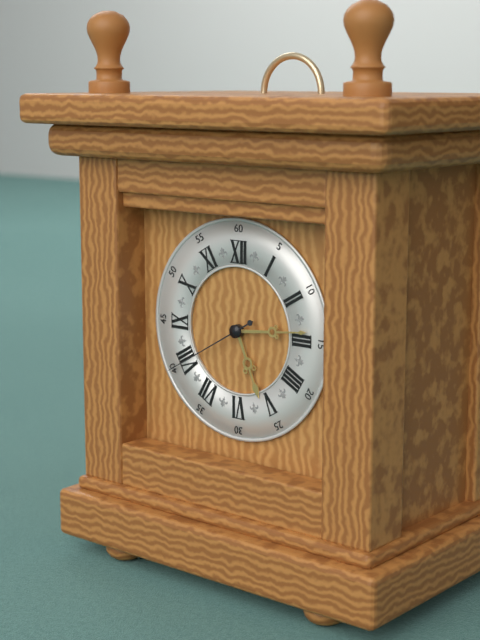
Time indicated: 5:14:40
